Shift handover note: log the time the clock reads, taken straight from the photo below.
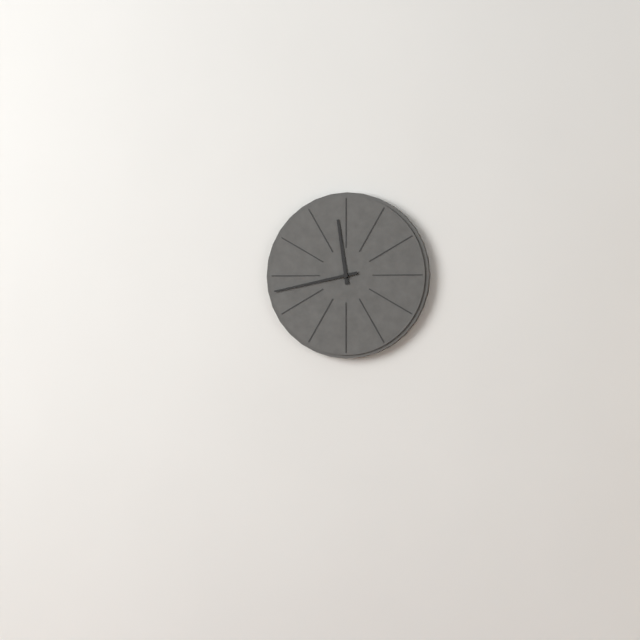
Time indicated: 11:43
